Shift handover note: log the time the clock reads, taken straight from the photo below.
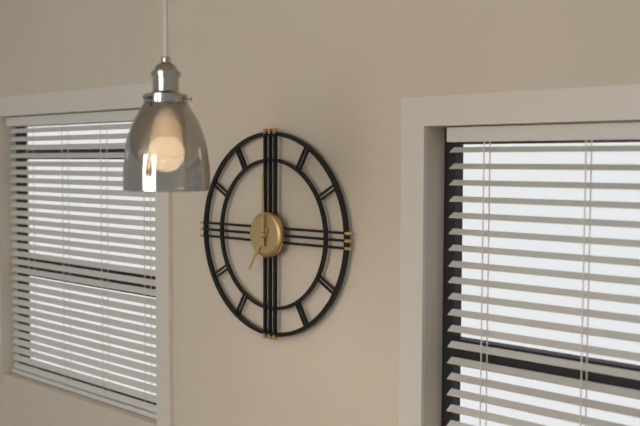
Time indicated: 7:00
